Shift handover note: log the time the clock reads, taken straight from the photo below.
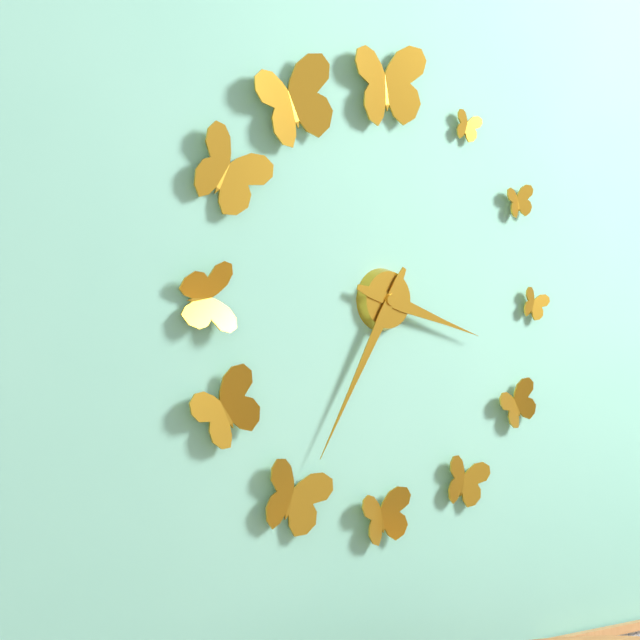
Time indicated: 3:35
